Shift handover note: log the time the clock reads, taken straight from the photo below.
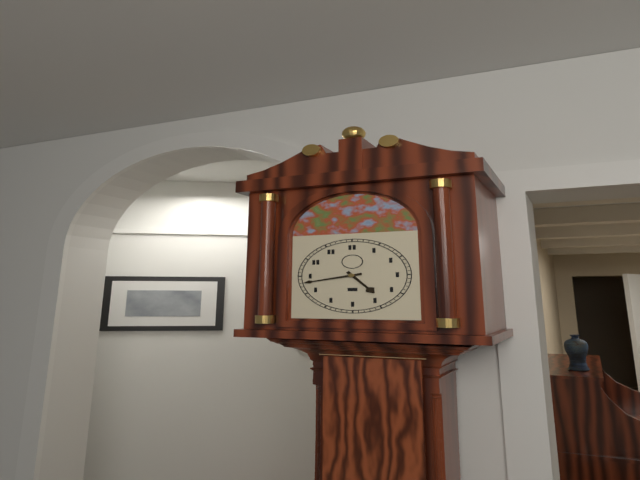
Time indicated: 4:43
